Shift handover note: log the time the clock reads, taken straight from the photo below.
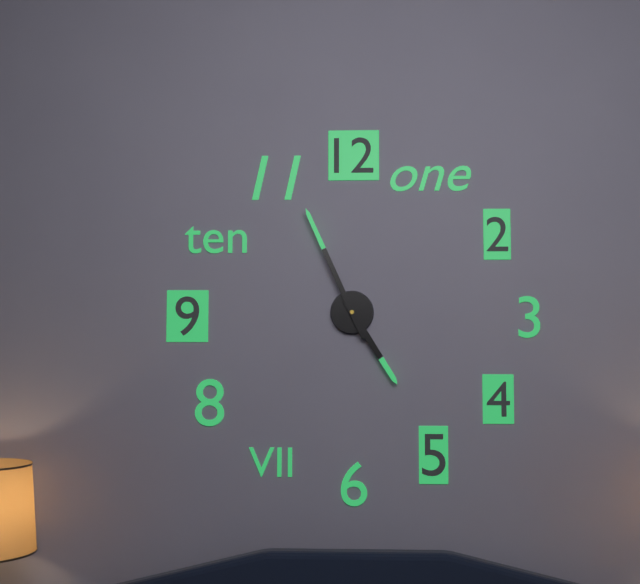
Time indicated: 4:56
